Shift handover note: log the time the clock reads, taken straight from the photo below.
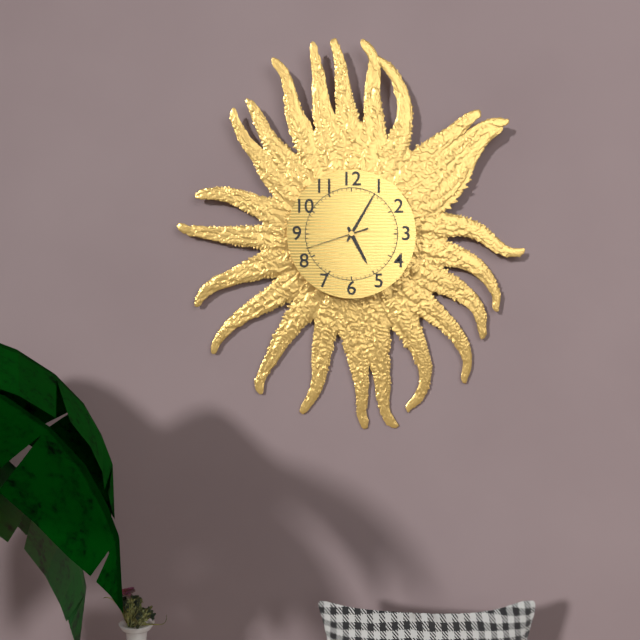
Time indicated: 5:05:42
